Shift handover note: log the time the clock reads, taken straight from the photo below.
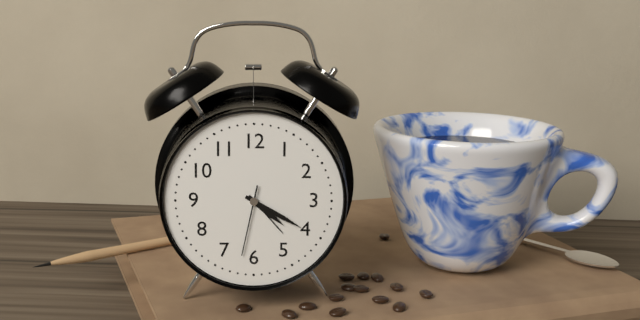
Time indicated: 4:20:32
